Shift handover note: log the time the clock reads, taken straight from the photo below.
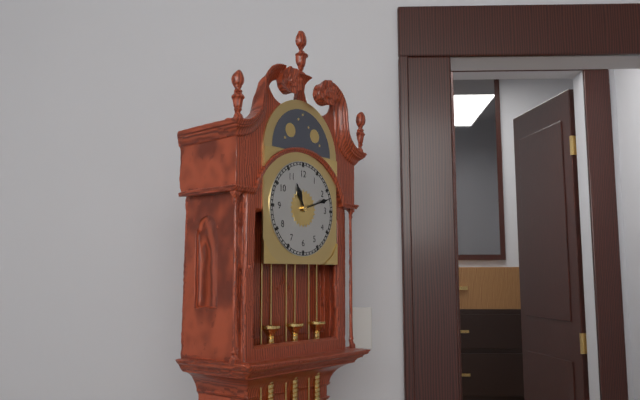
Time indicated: 11:12
